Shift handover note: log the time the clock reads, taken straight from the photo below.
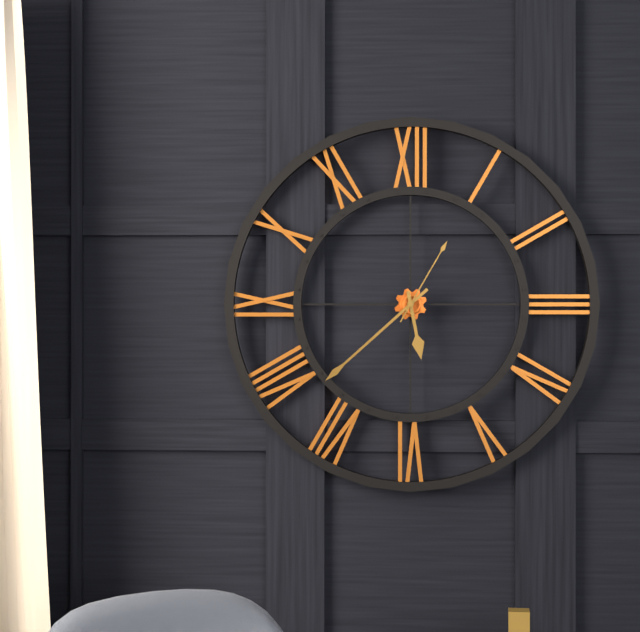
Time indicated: 5:38:05
